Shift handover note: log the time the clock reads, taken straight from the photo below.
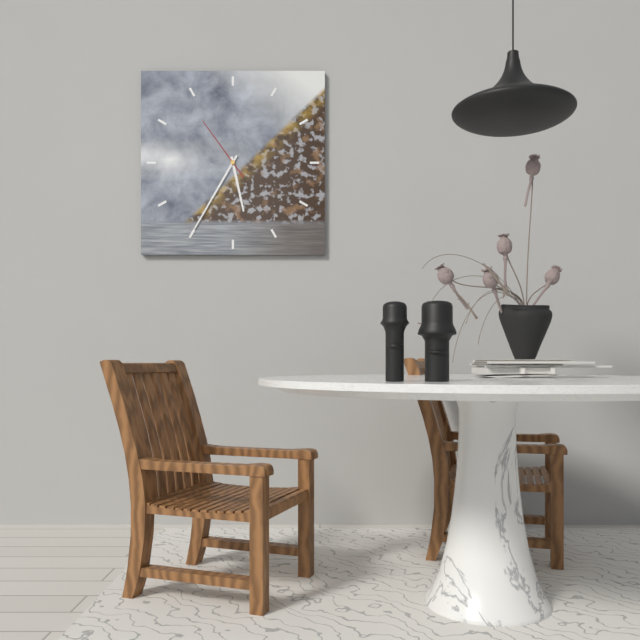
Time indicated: 5:35:54
